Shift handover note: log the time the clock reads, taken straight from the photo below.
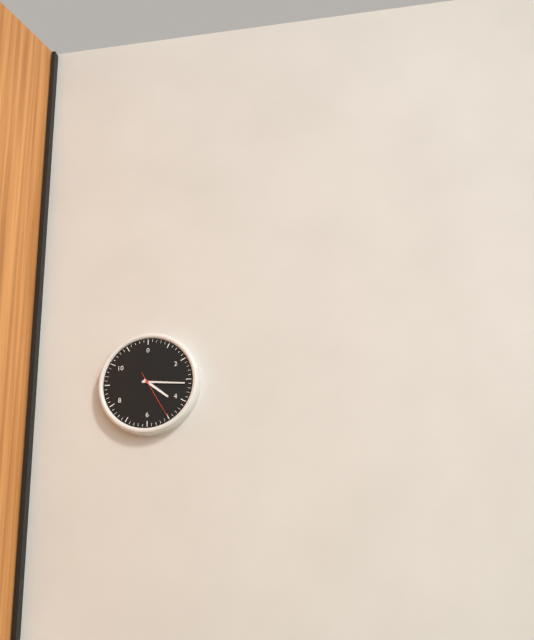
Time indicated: 4:16
